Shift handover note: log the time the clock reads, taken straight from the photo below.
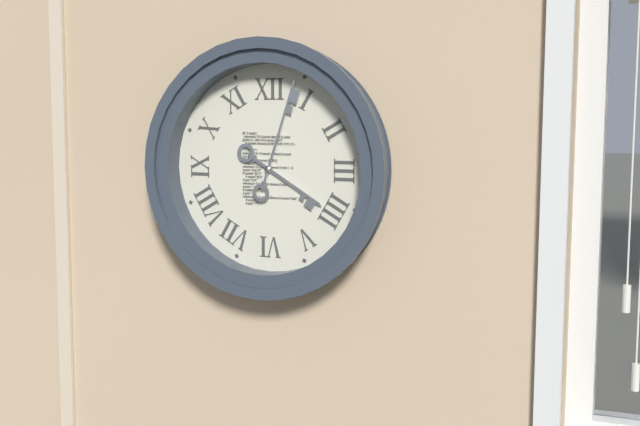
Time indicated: 4:03
